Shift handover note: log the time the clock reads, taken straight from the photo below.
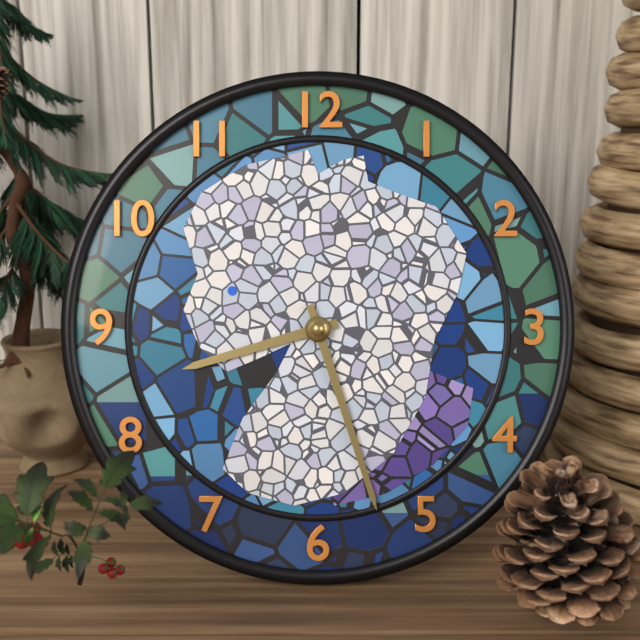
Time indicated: 8:27
